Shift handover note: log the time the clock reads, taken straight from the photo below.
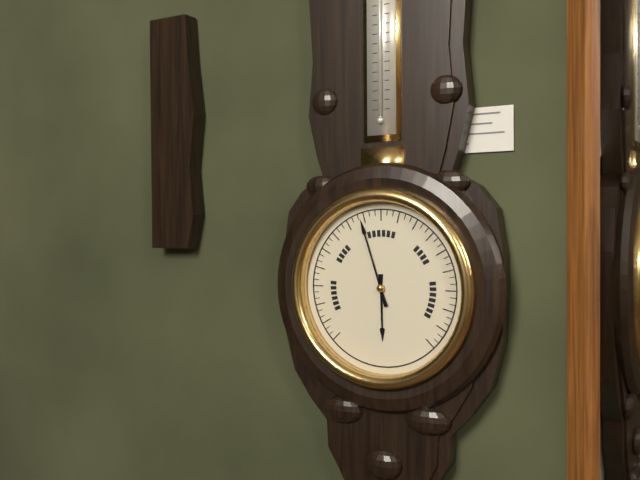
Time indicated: 5:57
